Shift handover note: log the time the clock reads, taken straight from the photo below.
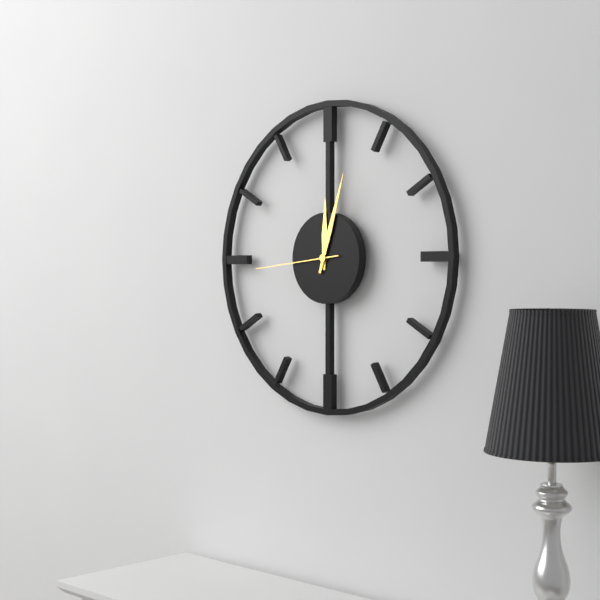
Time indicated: 12:03:44
